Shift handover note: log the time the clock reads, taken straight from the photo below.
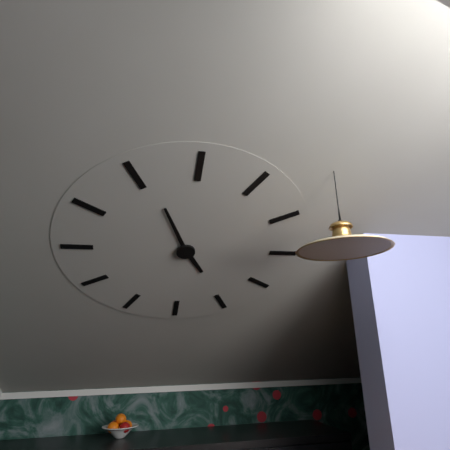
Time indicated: 4:56
